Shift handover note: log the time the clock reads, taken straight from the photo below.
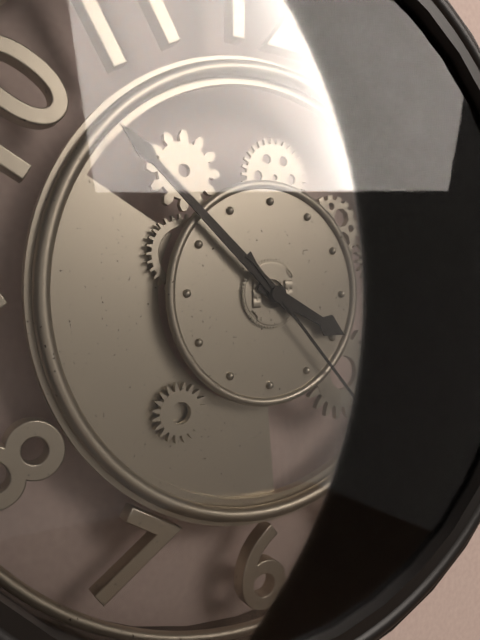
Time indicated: 3:52:23
